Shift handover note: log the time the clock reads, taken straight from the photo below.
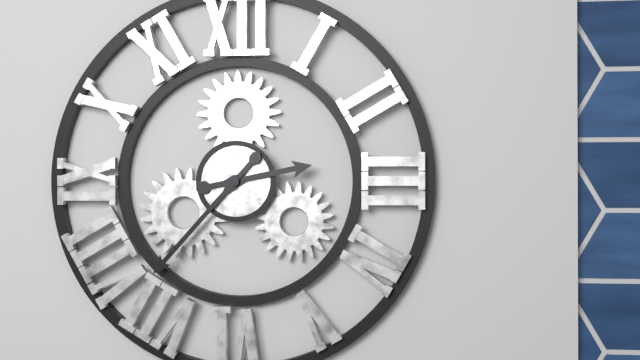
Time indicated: 2:37
